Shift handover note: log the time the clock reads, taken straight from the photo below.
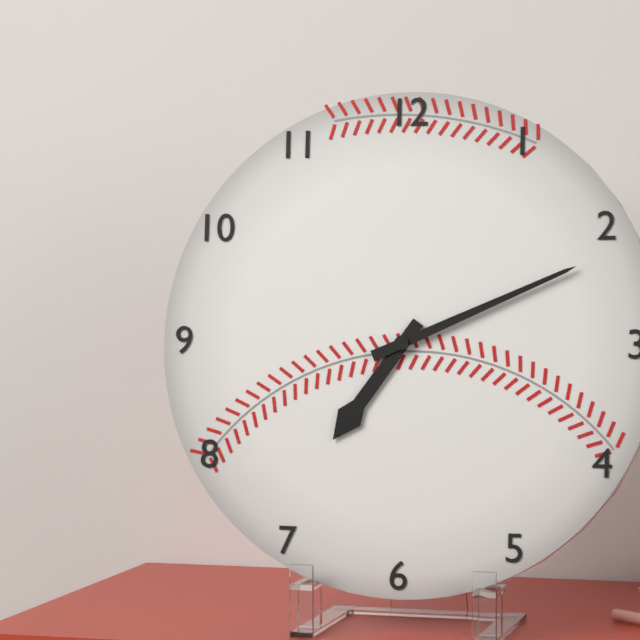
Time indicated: 7:11
